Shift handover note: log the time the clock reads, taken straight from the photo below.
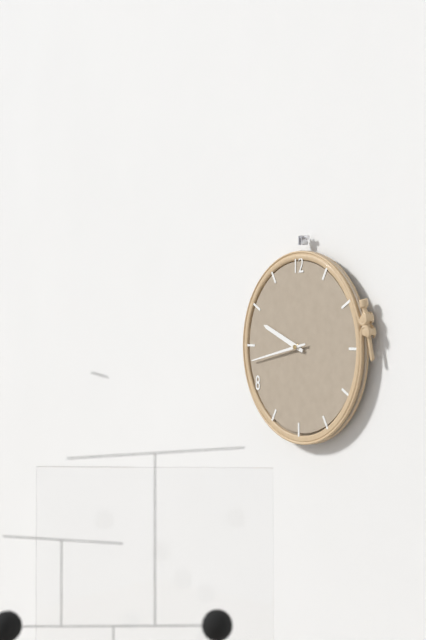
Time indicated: 9:43
